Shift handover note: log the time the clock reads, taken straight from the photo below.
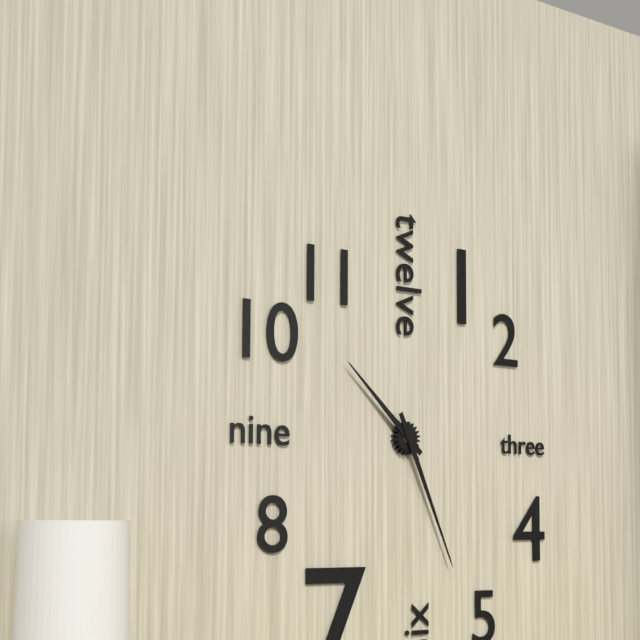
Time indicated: 10:26
